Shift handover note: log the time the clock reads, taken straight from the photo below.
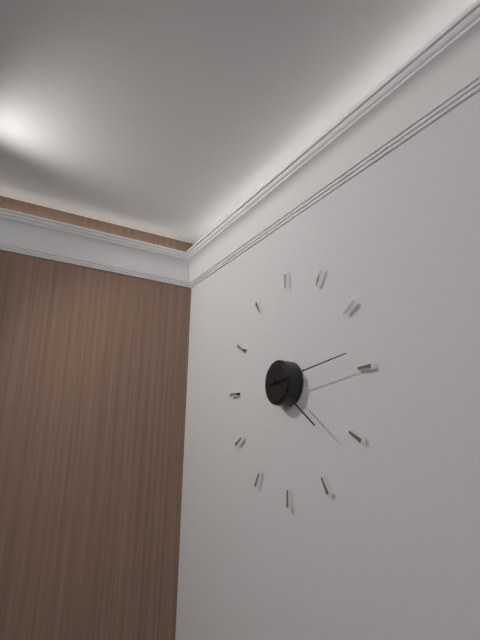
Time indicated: 4:14
